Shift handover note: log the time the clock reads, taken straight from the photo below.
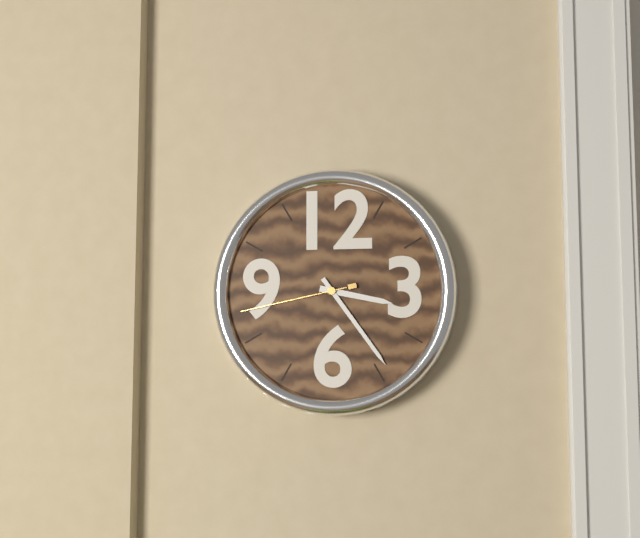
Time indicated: 3:24:43
